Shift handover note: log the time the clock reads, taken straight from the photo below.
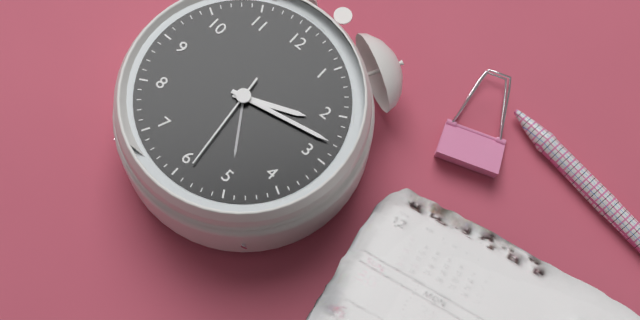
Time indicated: 2:13:29
